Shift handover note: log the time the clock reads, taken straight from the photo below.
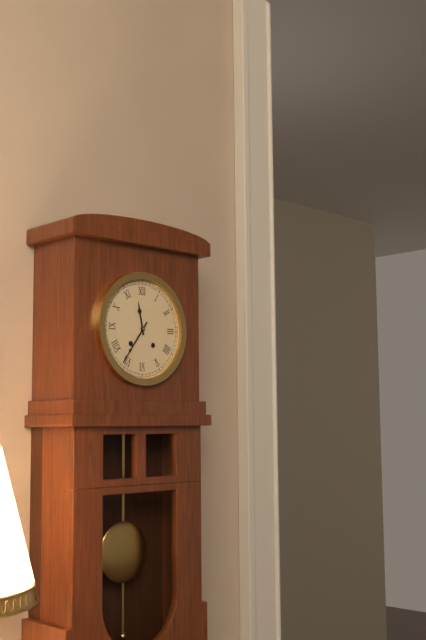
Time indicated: 11:36
